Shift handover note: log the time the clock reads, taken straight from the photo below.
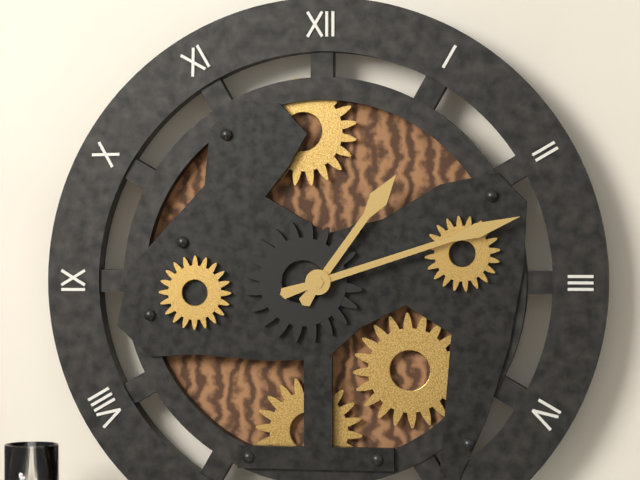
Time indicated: 1:12
